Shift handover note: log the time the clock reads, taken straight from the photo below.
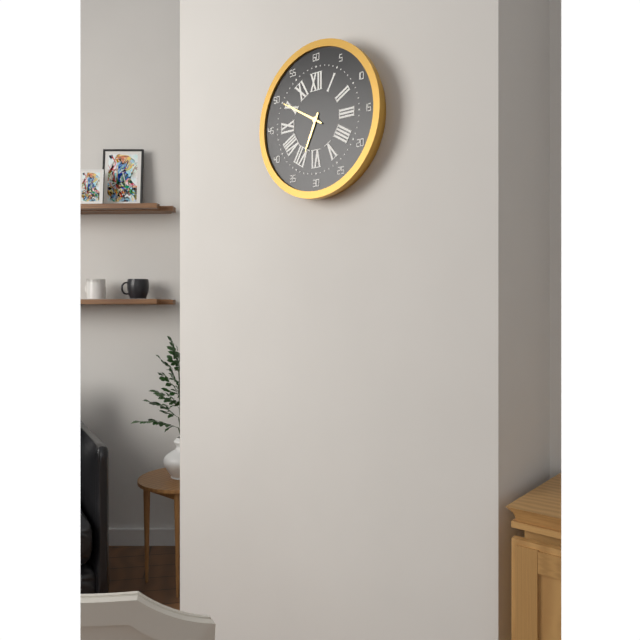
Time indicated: 6:50
